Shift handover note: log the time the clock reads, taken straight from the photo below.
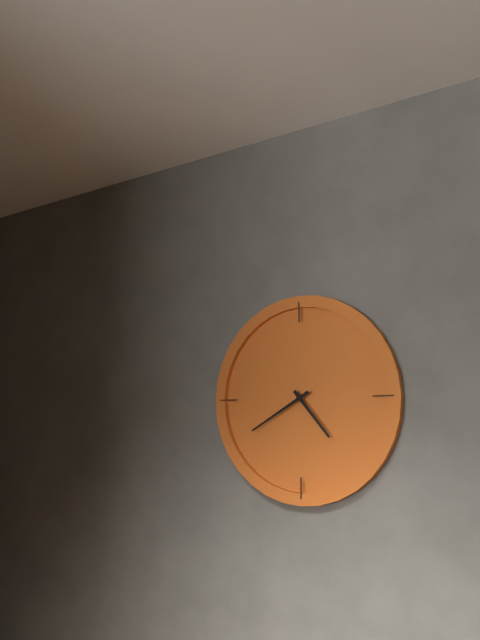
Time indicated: 4:40
